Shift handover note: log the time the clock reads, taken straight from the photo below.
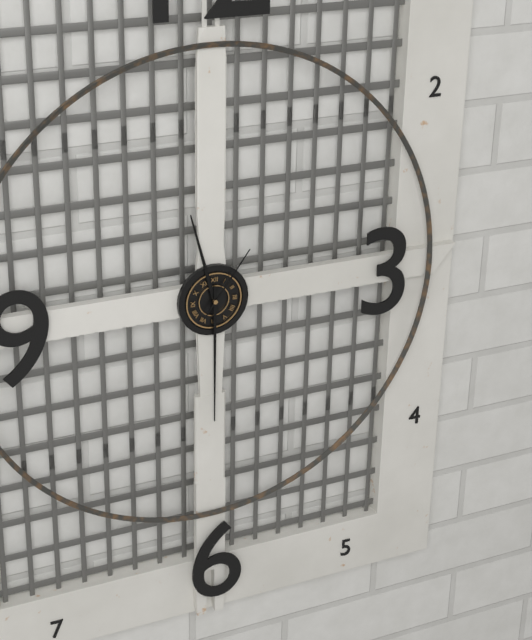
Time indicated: 11:30:06
